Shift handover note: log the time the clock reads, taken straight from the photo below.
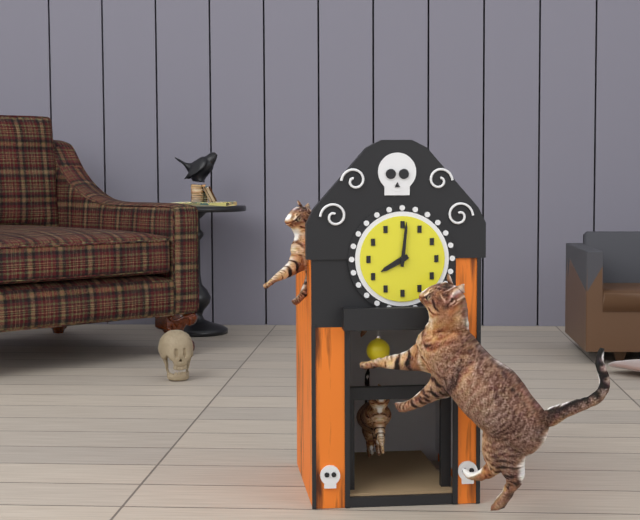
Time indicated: 8:01
